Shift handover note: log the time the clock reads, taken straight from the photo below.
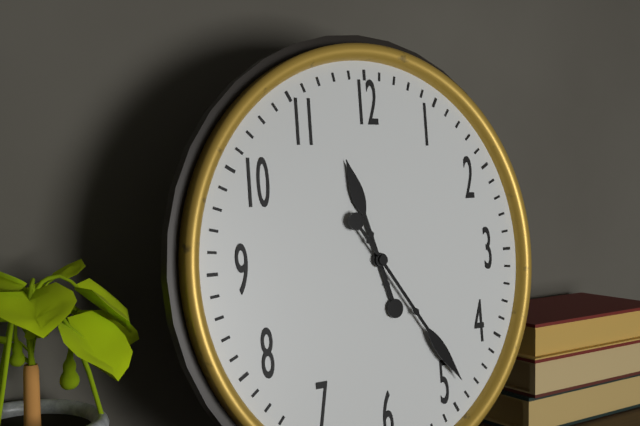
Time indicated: 11:24
